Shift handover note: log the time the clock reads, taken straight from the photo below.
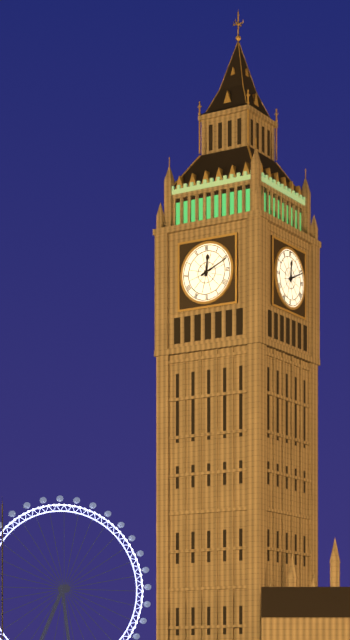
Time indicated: 12:11
